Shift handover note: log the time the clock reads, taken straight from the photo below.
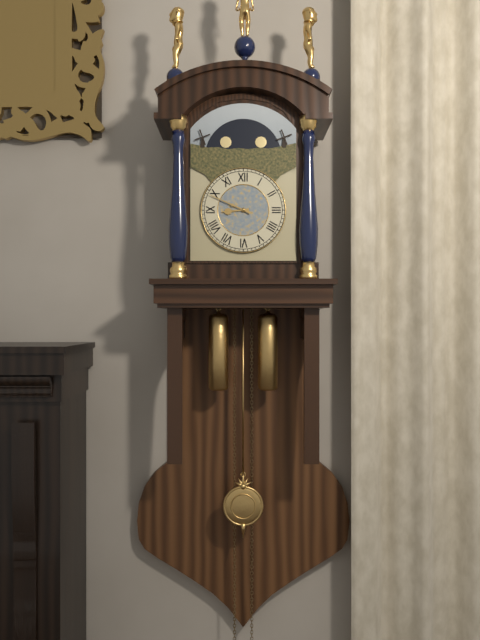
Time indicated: 8:49
